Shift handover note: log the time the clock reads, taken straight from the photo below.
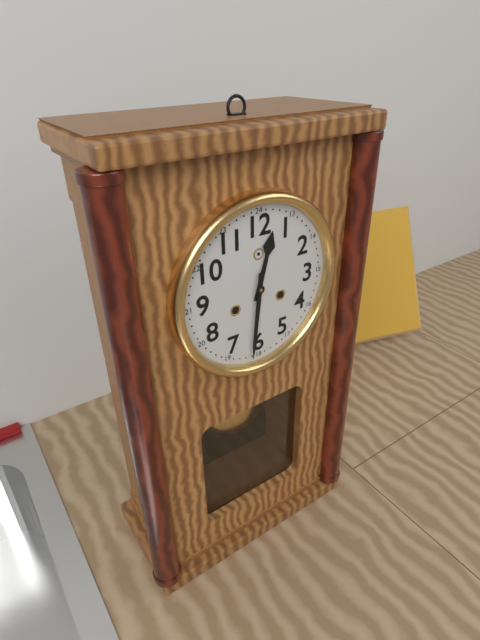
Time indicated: 12:31
